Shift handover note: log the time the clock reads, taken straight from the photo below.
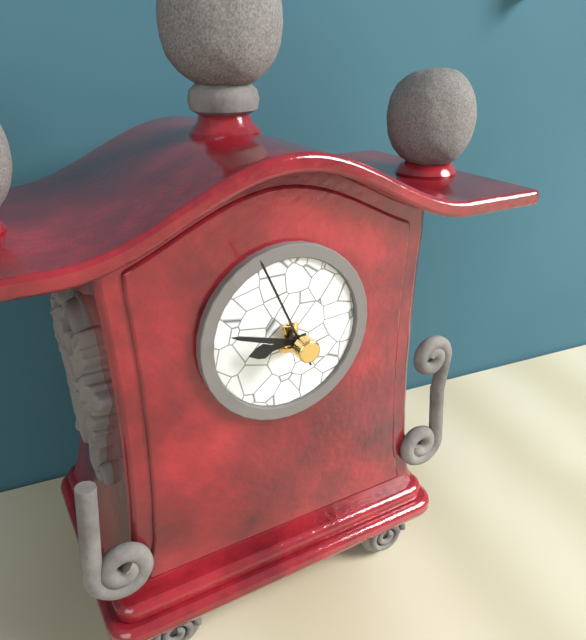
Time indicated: 8:48:56
